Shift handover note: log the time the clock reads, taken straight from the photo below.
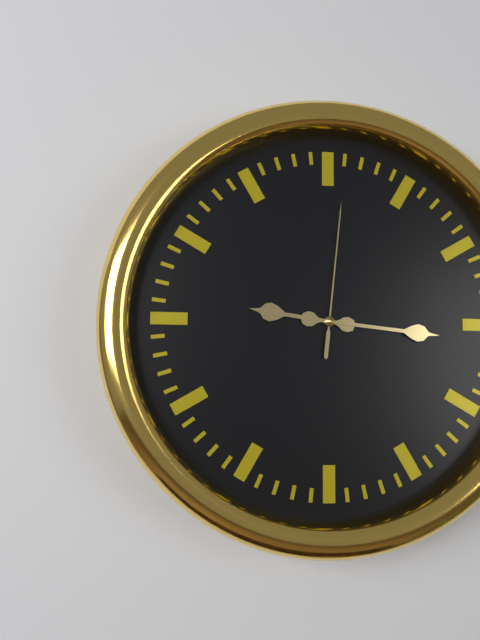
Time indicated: 9:16:01
